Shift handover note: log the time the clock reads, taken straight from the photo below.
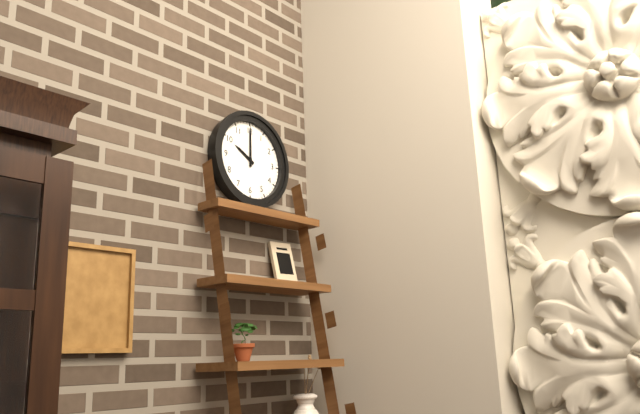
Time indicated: 10:00
